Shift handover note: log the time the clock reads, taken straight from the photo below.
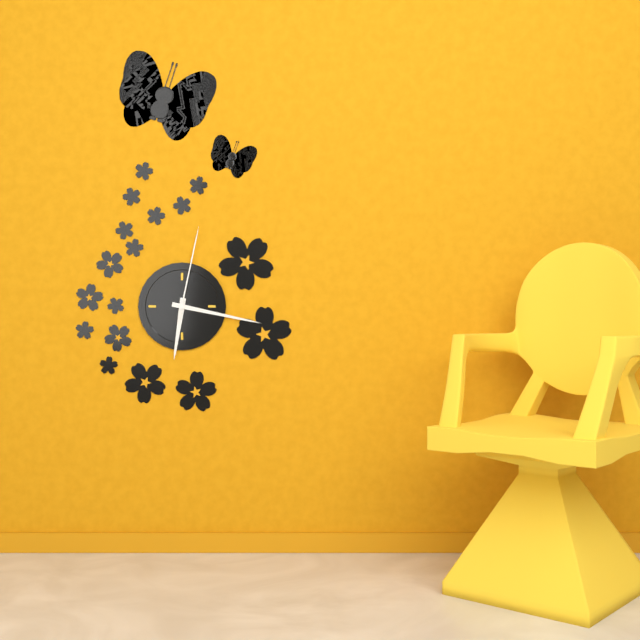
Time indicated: 6:17:02
